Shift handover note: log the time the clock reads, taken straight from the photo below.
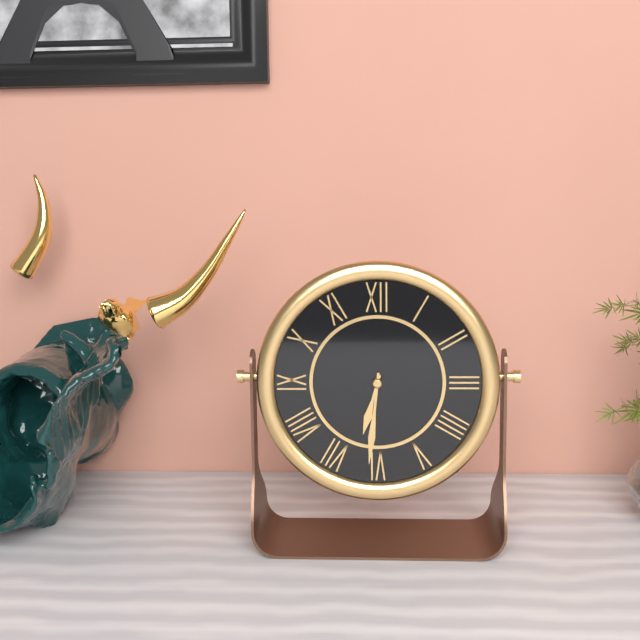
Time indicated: 6:31
